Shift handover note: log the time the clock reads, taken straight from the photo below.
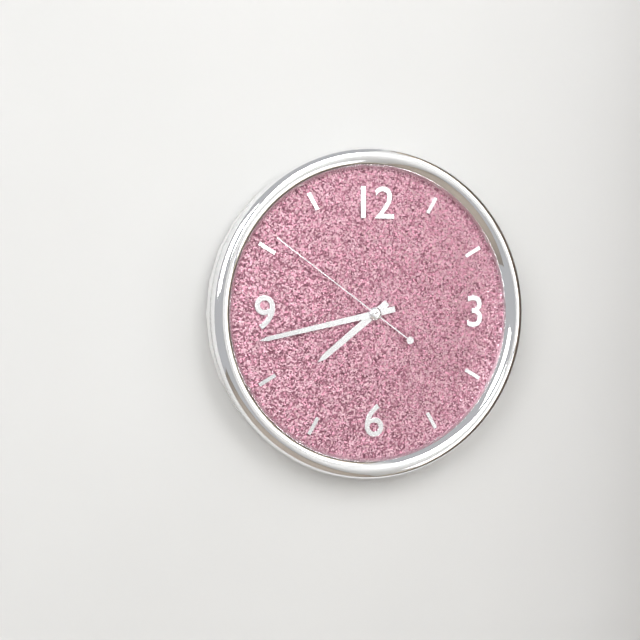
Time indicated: 7:43:51
